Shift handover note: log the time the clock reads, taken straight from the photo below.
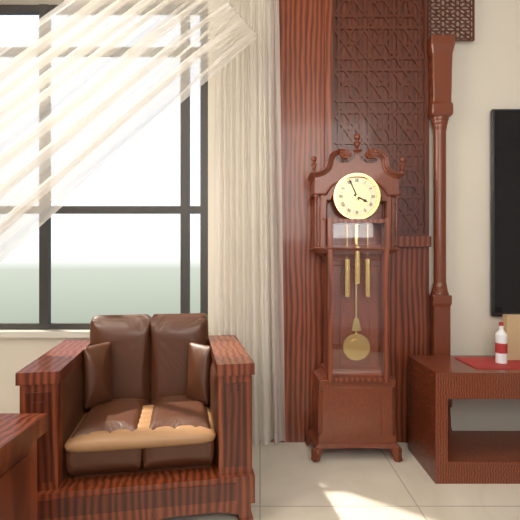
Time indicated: 3:56
